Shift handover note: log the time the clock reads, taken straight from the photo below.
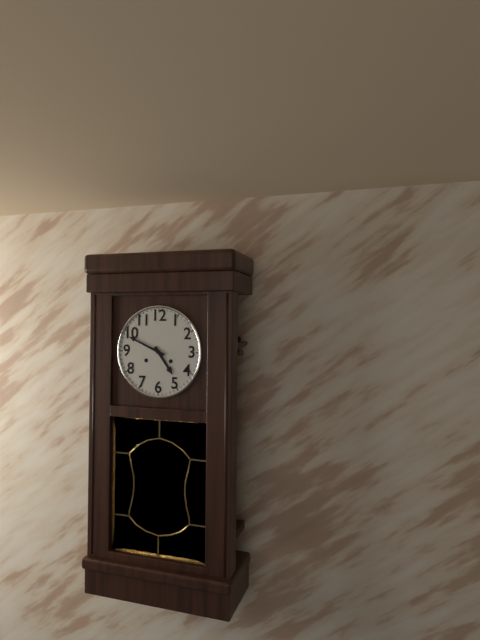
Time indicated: 4:49
